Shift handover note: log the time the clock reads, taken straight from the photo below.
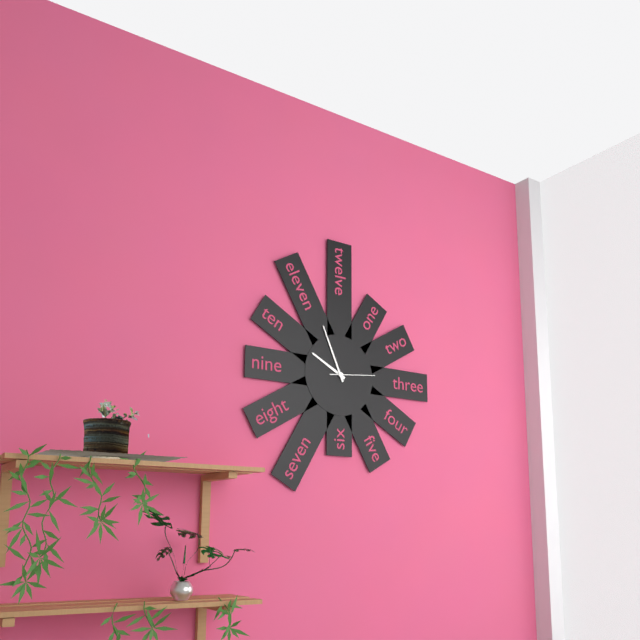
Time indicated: 9:56
